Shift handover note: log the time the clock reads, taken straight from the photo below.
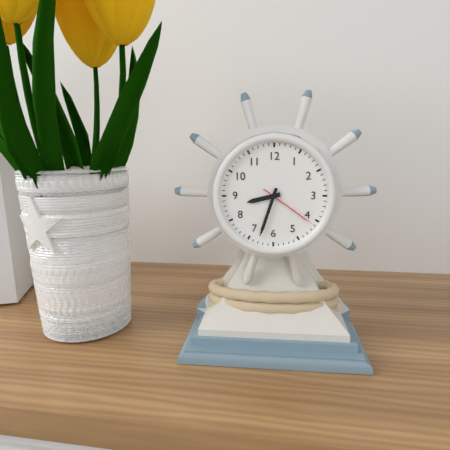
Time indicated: 8:33:21
